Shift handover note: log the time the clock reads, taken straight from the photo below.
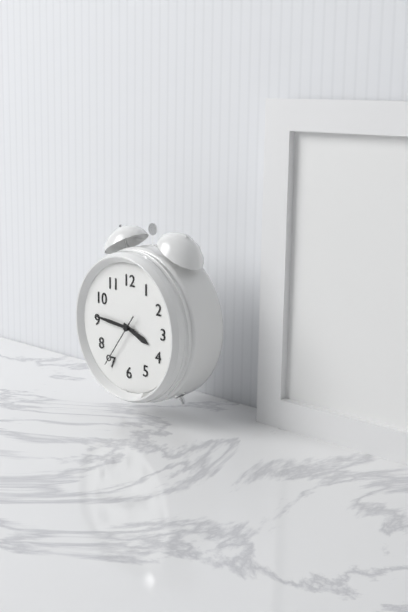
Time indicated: 3:46:36
